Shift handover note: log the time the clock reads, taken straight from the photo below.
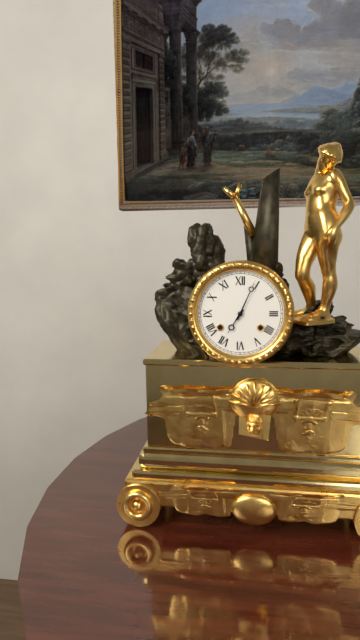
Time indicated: 7:04
